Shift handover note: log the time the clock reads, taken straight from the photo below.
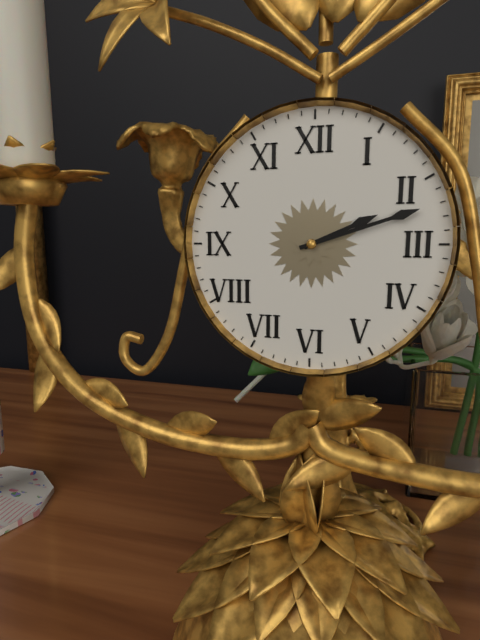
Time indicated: 2:12
